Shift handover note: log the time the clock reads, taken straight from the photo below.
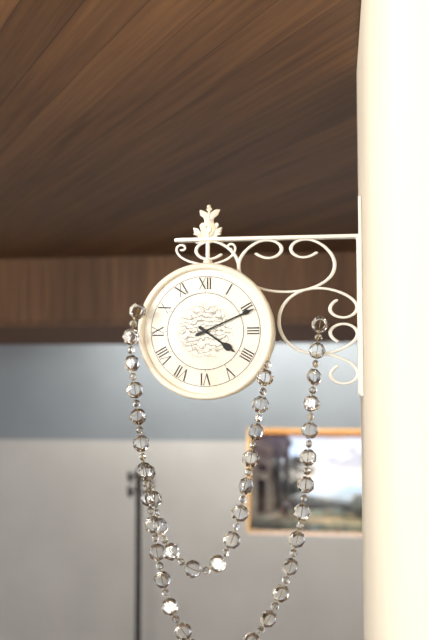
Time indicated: 4:11
